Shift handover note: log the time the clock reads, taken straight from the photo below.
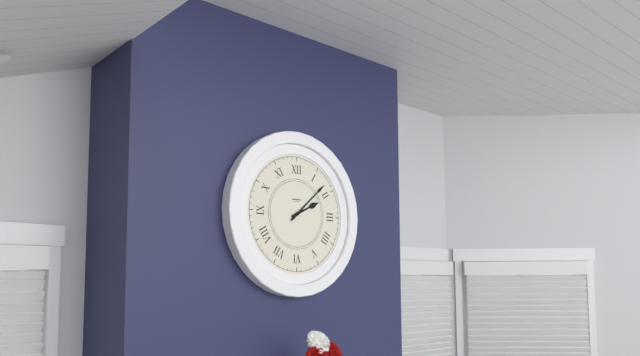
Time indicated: 2:08
